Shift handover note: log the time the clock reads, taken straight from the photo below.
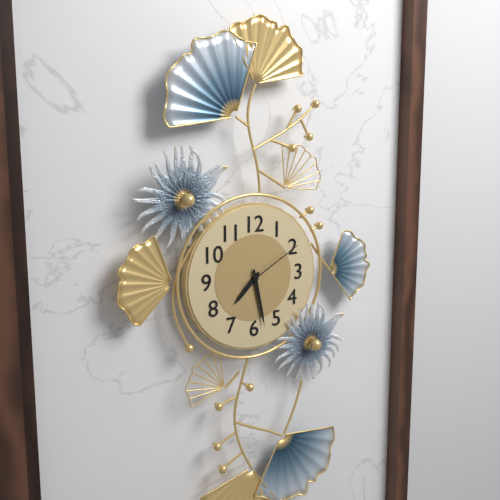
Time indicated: 7:28:10
